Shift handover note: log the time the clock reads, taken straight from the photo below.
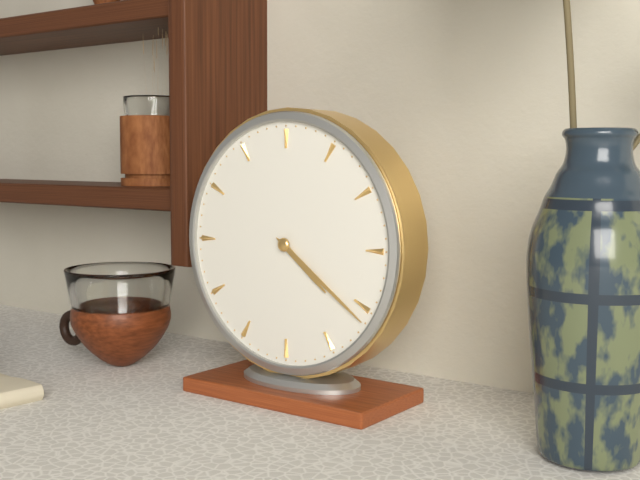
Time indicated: 4:21
